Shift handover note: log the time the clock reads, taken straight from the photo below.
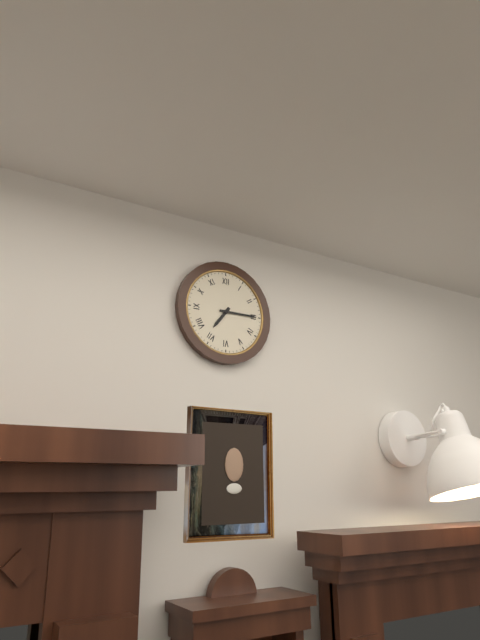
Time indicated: 7:15
